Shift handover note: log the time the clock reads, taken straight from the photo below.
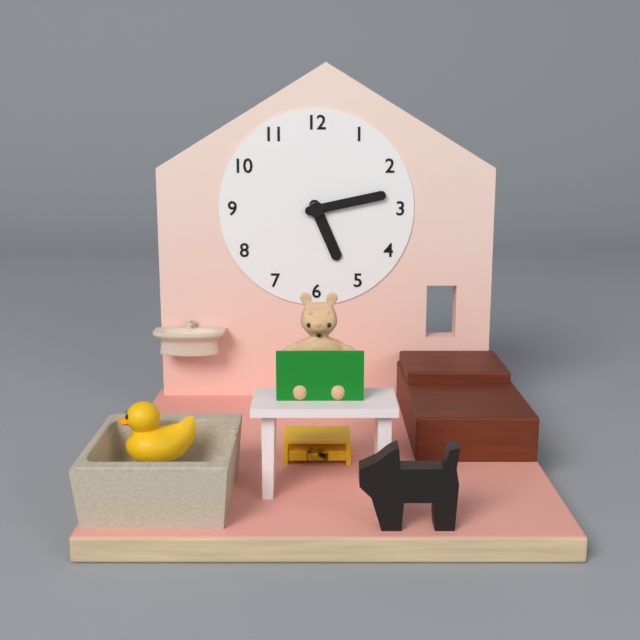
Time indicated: 5:13
